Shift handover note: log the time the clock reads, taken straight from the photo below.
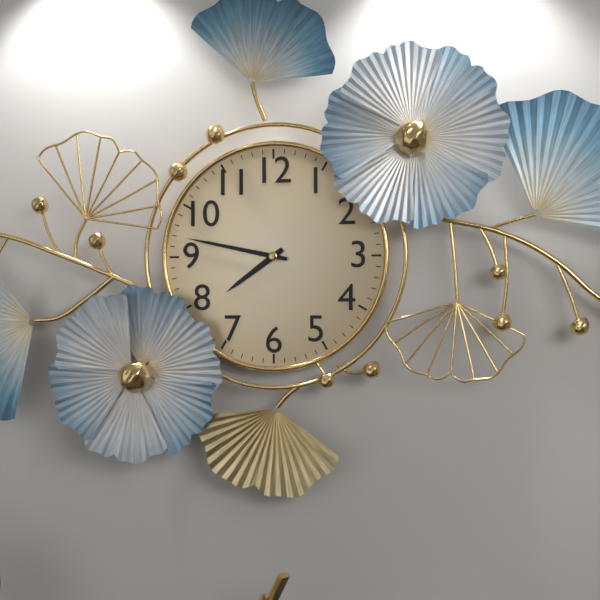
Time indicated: 7:47
